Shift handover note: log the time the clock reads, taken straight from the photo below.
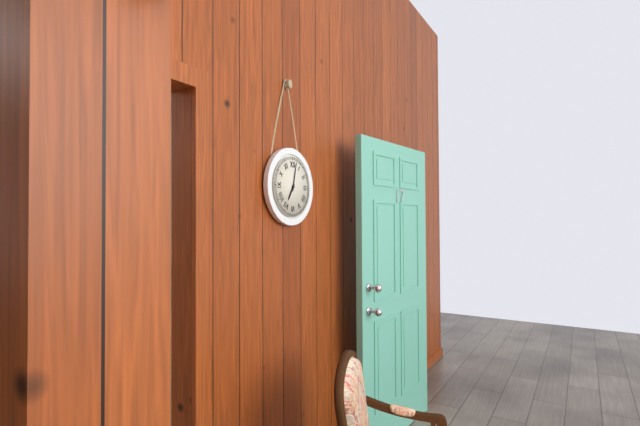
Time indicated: 7:02
